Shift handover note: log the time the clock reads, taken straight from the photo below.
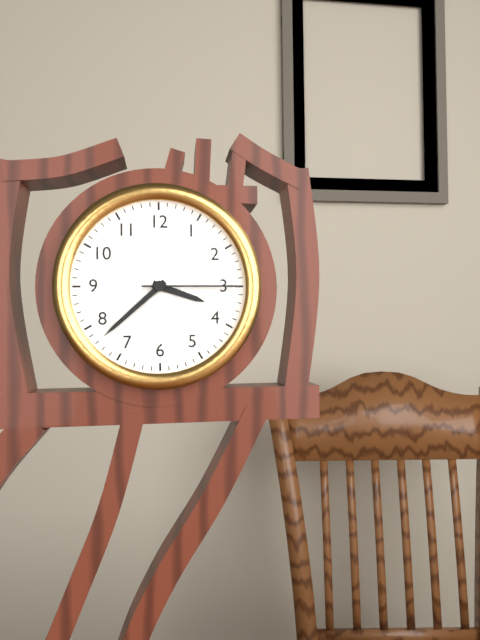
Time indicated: 3:38:15
